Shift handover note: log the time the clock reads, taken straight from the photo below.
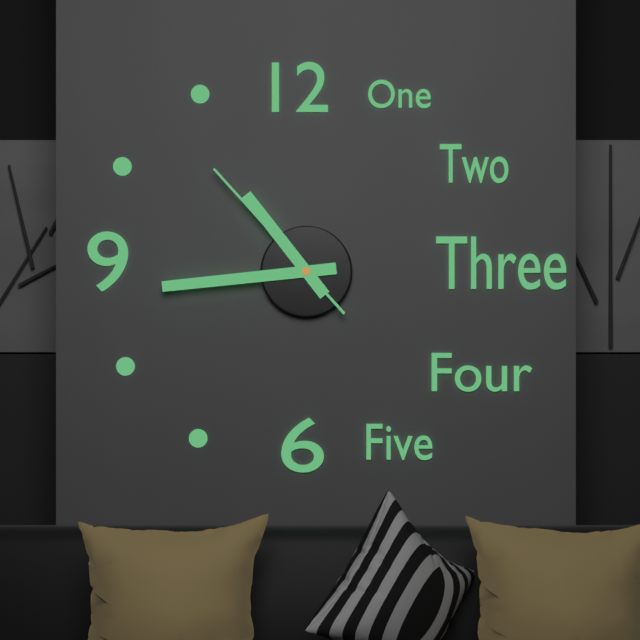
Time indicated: 10:44:53
